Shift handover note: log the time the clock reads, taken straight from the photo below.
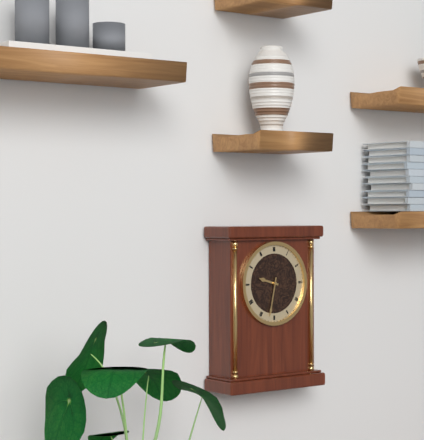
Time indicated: 9:32
